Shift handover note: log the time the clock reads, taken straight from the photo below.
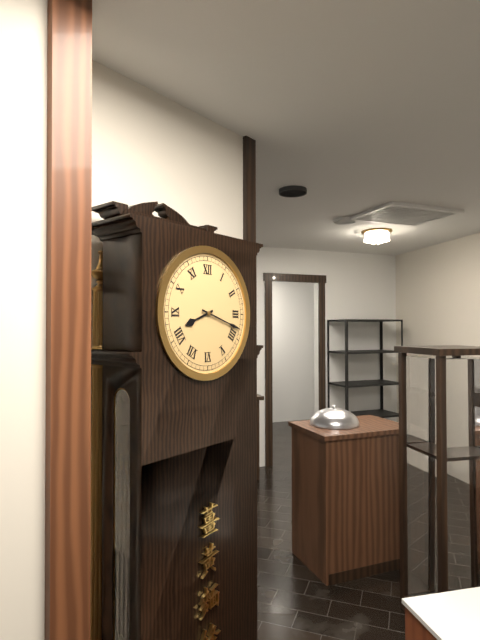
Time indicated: 8:18
